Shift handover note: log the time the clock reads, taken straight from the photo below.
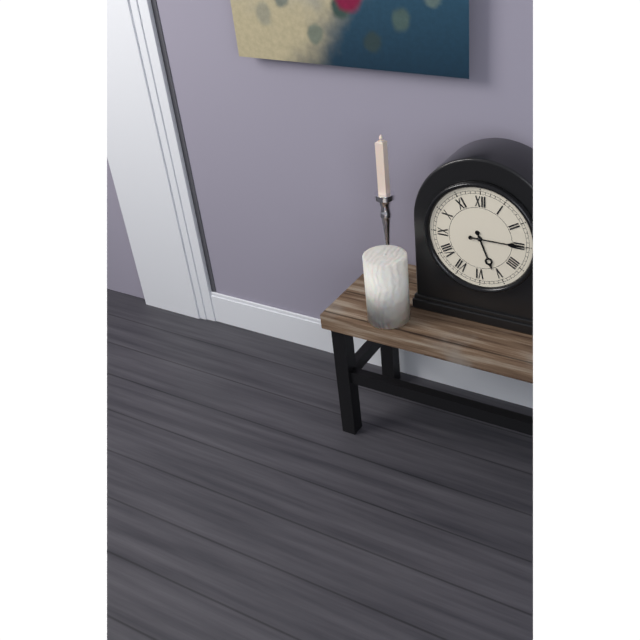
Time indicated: 5:15
